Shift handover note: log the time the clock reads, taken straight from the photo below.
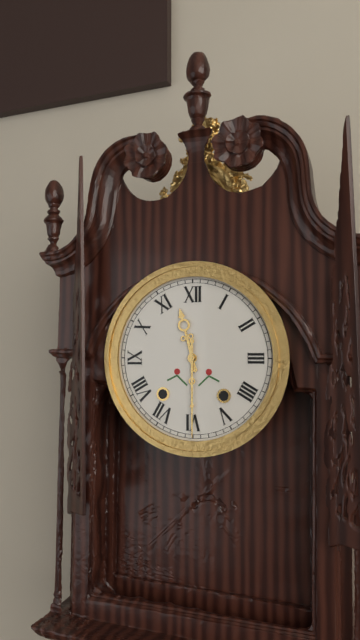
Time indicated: 11:30
